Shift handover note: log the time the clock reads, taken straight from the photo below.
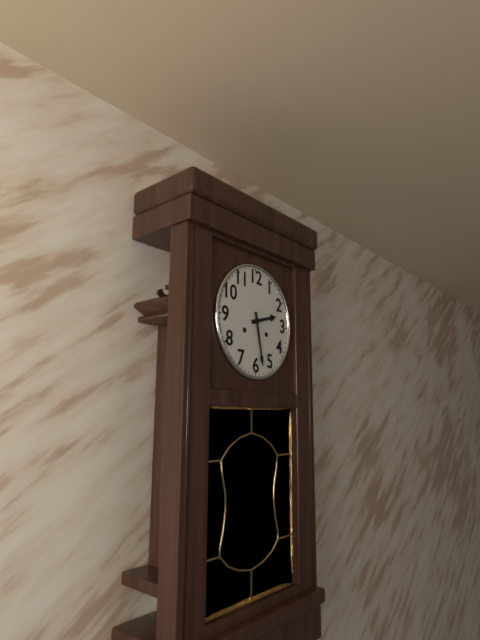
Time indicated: 2:28
